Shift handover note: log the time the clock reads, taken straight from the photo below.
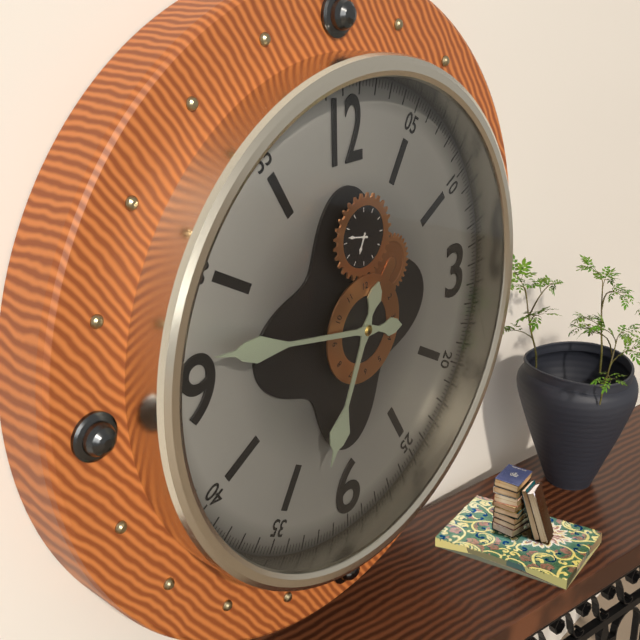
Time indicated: 6:47
